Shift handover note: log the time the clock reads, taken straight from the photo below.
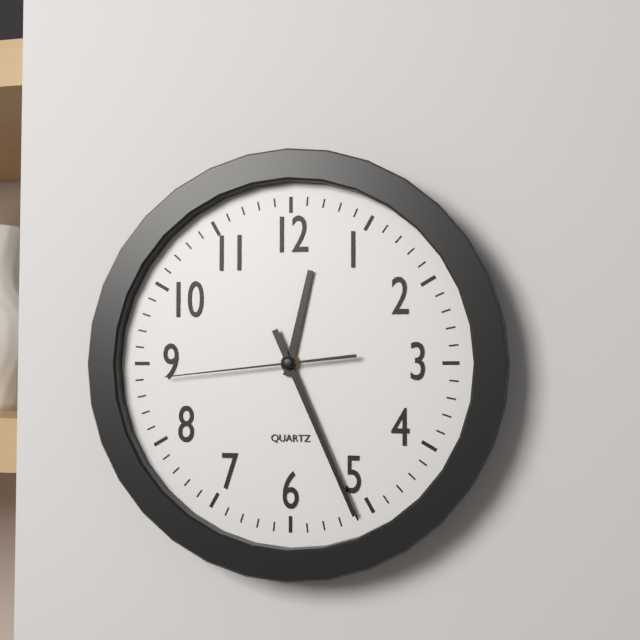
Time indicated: 12:26:44
